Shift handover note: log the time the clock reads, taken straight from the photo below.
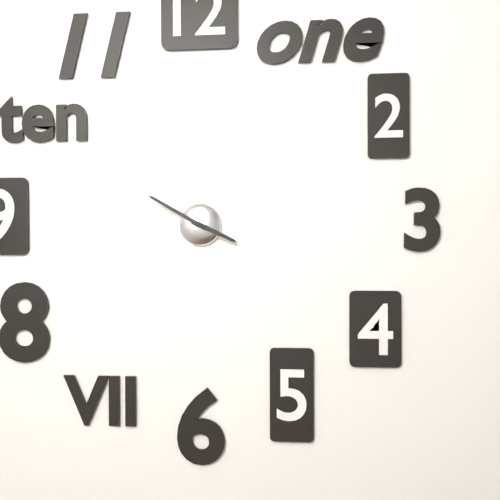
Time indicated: 3:50
